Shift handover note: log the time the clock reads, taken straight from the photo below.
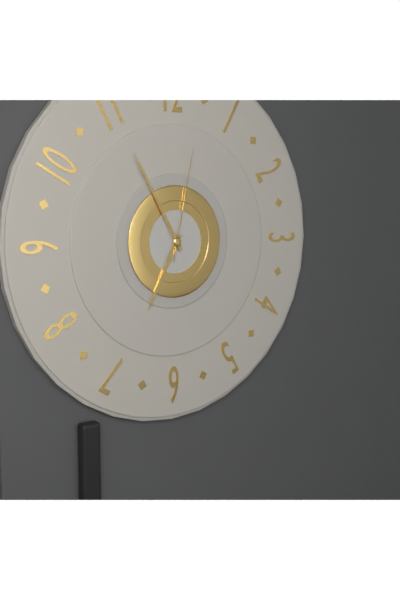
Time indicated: 6:55:02
